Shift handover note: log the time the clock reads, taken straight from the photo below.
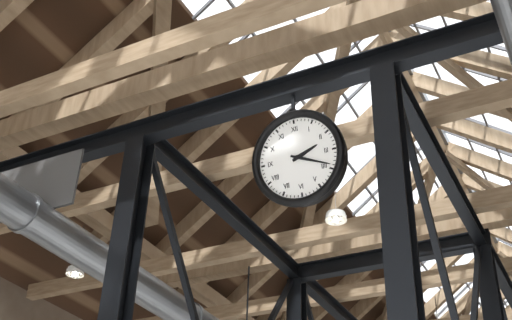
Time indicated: 2:19
